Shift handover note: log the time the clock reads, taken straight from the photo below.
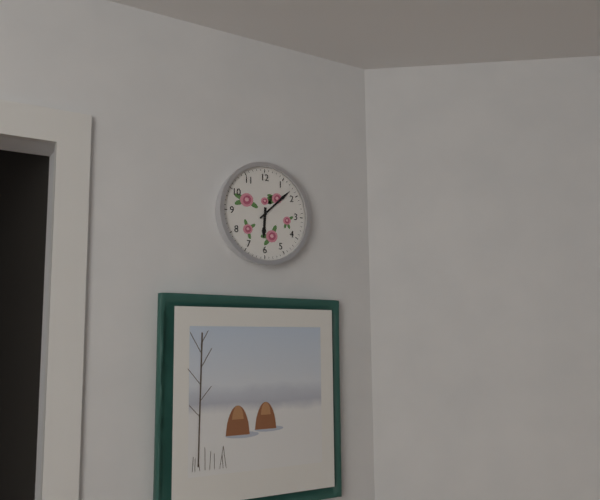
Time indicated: 6:08
